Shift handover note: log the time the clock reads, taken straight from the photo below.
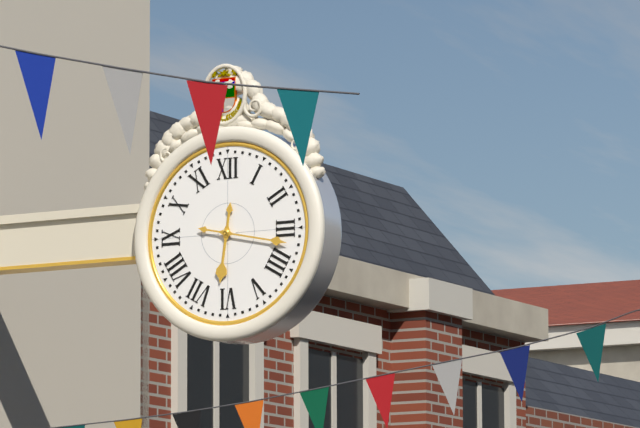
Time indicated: 6:17
